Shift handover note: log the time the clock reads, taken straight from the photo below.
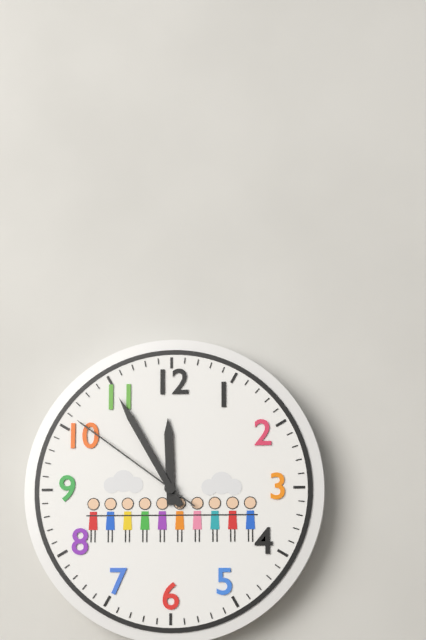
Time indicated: 11:55:51
